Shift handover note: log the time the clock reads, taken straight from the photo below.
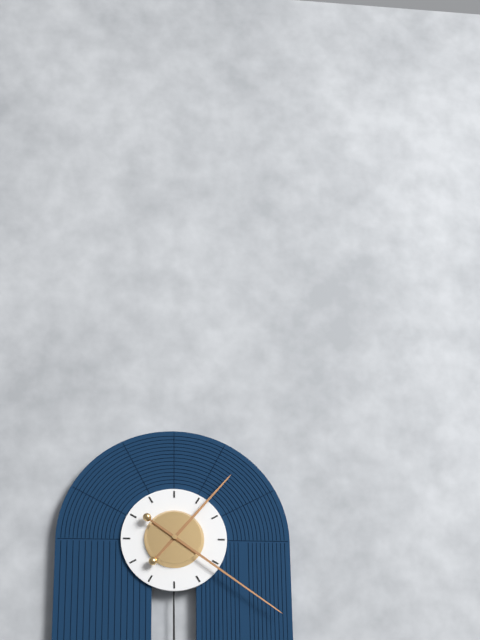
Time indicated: 1:21
